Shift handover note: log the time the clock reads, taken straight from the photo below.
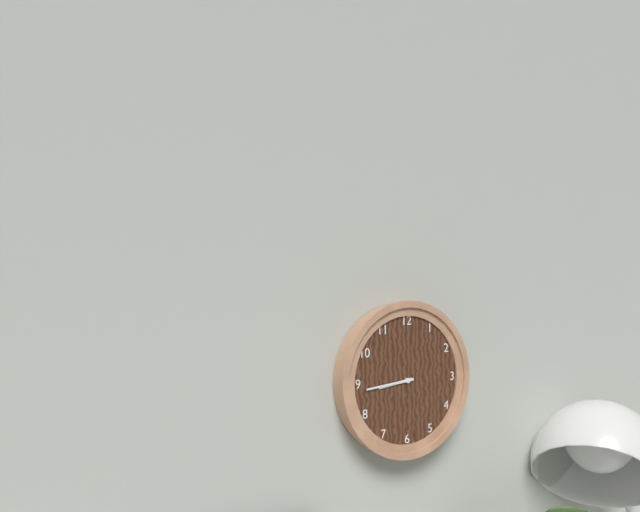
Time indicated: 8:44
